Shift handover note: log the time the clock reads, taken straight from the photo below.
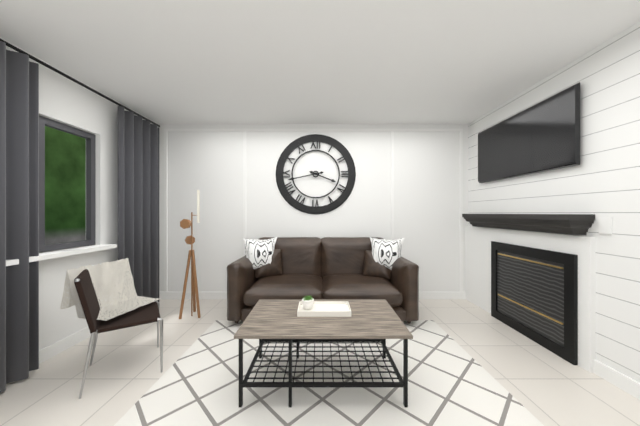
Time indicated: 3:43
